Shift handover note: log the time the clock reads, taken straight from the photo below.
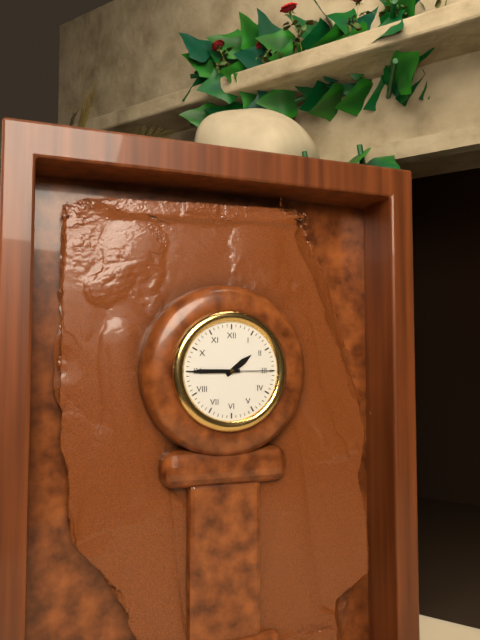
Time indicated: 1:45:15
